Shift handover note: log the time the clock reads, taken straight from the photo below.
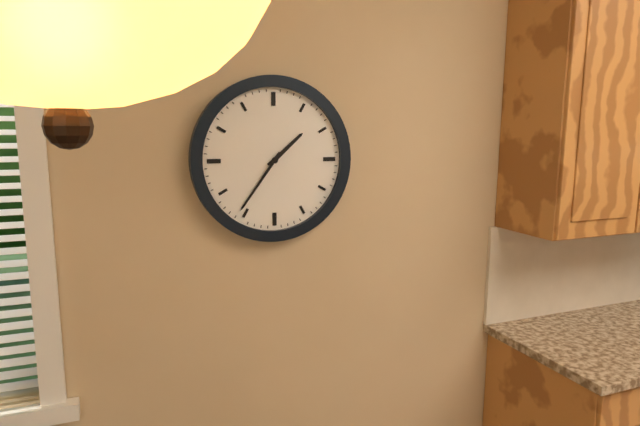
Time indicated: 1:36
